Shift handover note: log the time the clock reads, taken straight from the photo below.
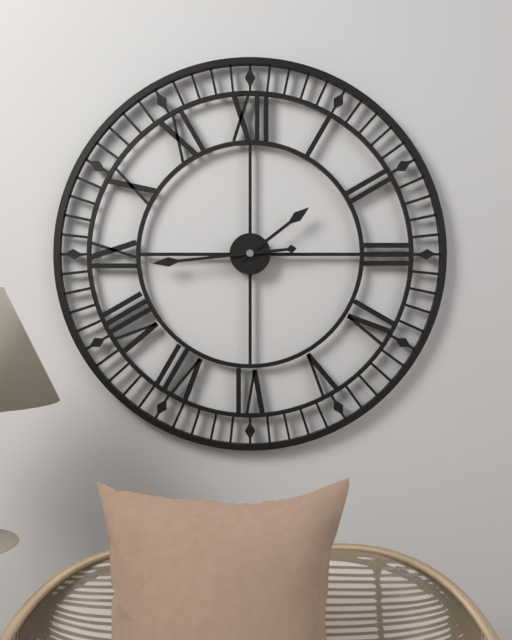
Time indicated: 1:44
